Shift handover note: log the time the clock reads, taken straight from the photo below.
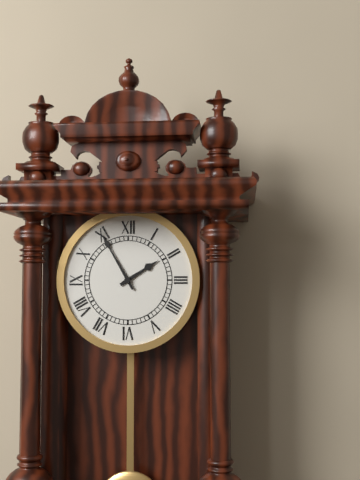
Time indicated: 1:55
